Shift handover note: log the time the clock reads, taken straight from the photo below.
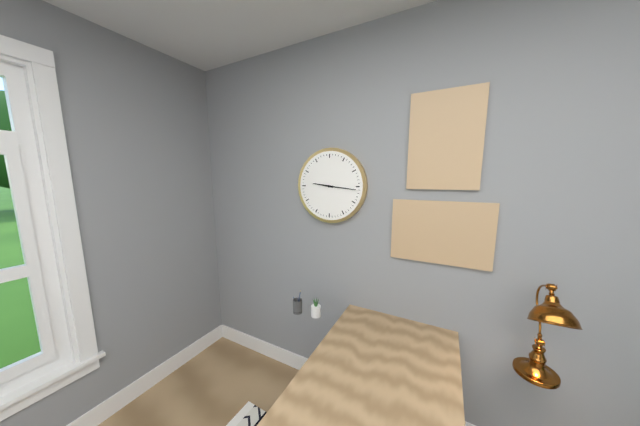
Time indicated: 9:16
